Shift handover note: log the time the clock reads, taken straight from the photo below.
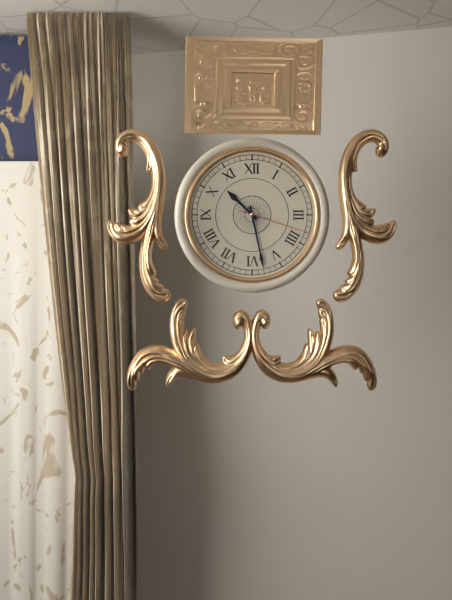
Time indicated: 10:28:18
